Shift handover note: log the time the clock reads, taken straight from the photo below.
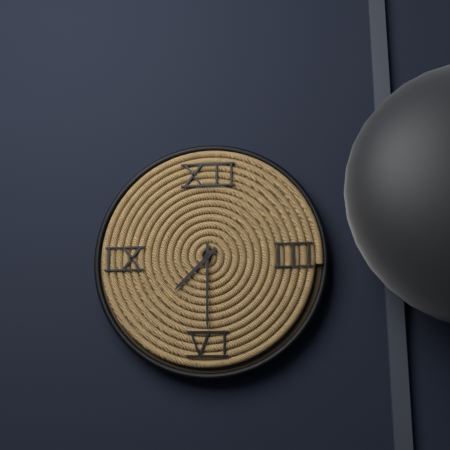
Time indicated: 7:30
